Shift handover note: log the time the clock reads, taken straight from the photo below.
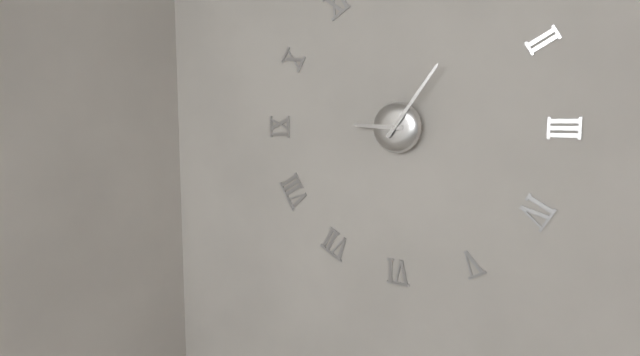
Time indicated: 9:06
